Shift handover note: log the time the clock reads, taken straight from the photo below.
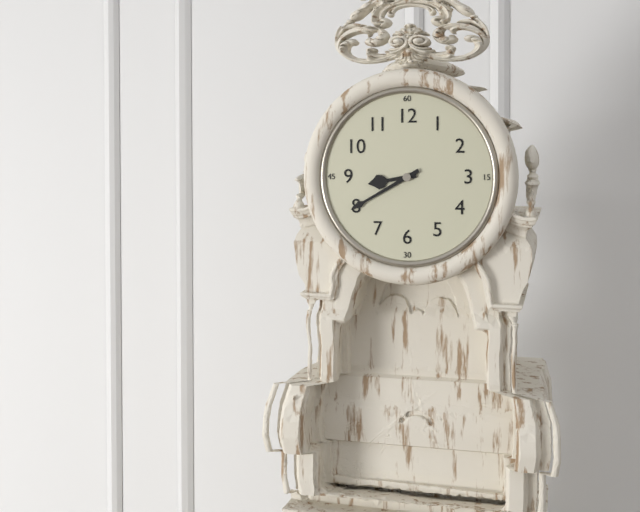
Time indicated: 8:40
